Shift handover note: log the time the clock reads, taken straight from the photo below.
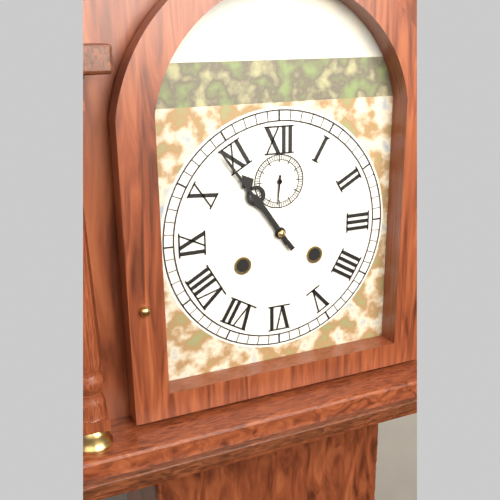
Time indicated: 10:54
